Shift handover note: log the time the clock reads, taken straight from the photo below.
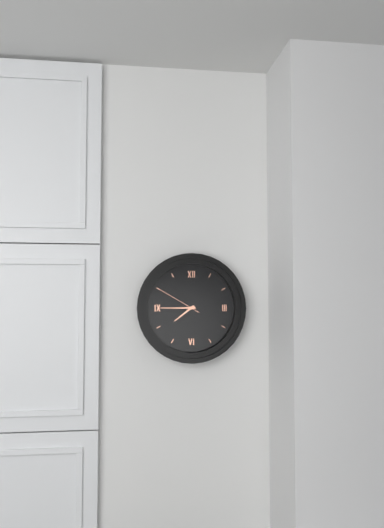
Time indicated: 7:45
